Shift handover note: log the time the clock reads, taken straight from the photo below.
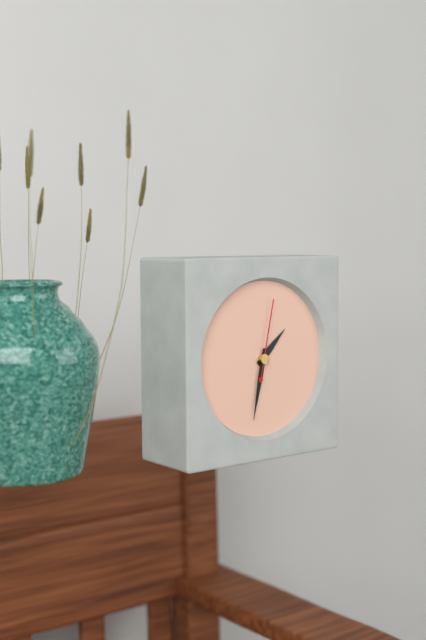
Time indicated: 1:32:02
